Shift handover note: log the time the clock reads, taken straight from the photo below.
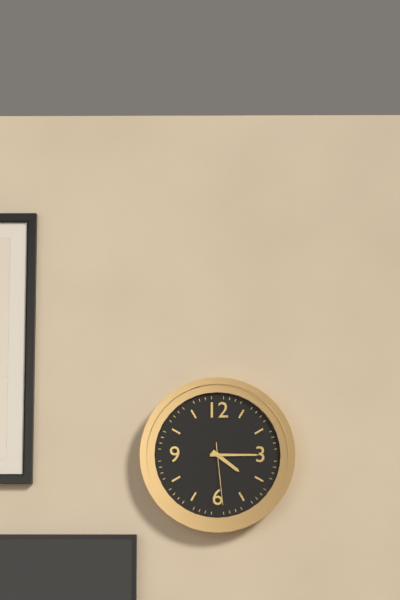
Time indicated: 4:15:29
